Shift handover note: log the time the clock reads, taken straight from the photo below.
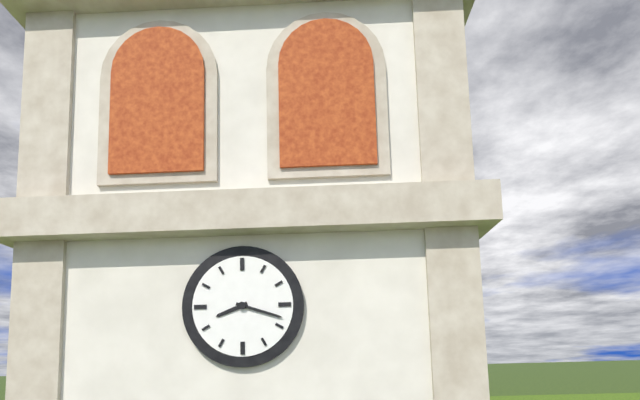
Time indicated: 8:18
